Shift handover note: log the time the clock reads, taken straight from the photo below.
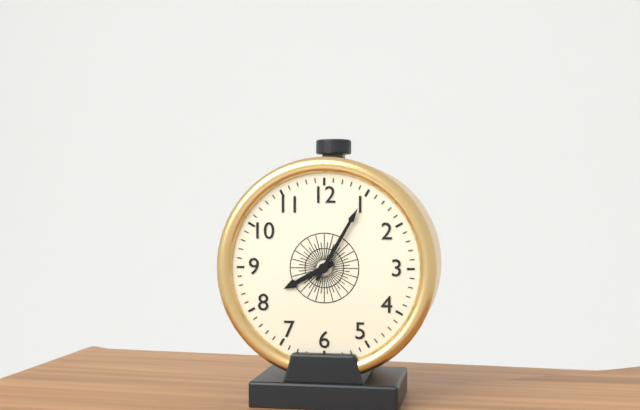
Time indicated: 8:05
